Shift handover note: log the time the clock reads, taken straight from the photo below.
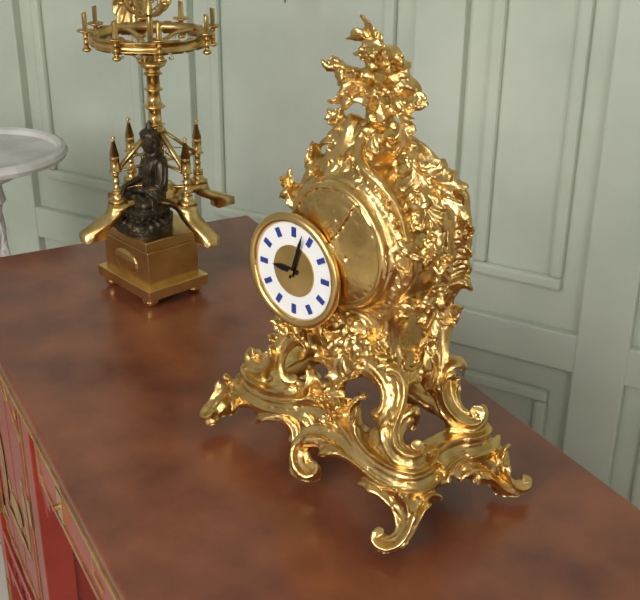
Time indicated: 9:03
